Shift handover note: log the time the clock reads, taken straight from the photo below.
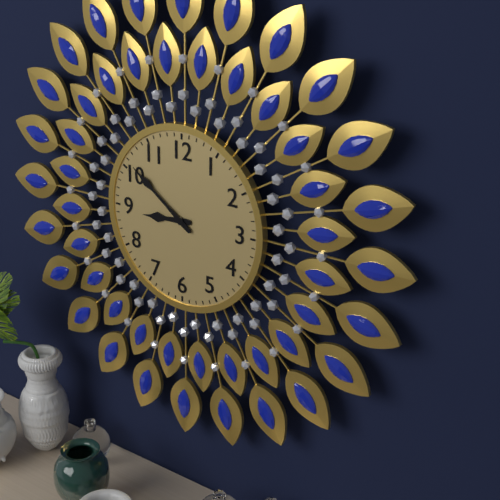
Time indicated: 8:51
